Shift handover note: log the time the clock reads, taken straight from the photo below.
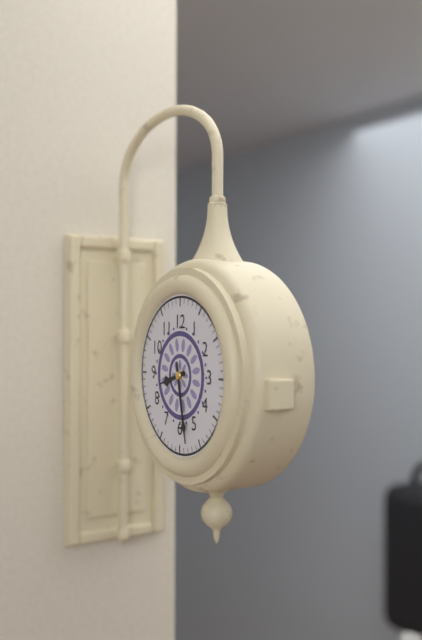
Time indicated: 8:28
